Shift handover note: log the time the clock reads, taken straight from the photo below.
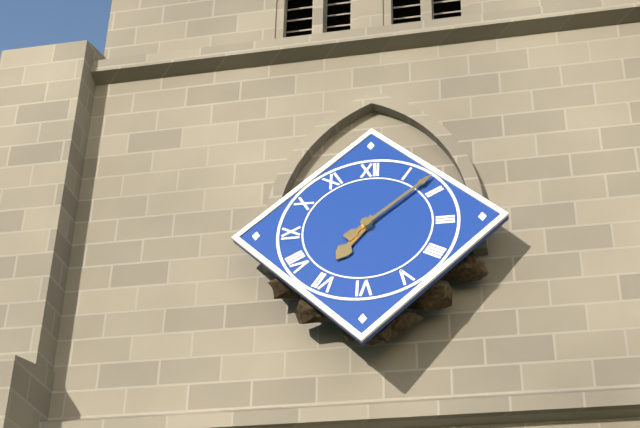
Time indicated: 7:08
